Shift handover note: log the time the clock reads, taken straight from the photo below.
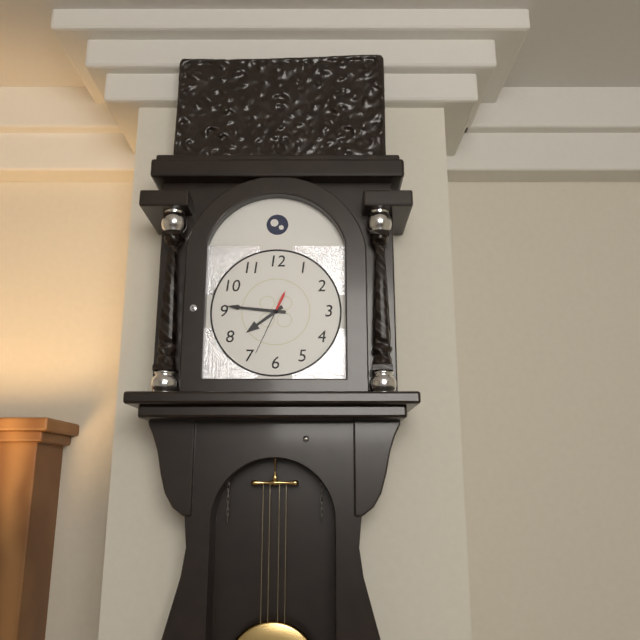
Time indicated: 7:46
